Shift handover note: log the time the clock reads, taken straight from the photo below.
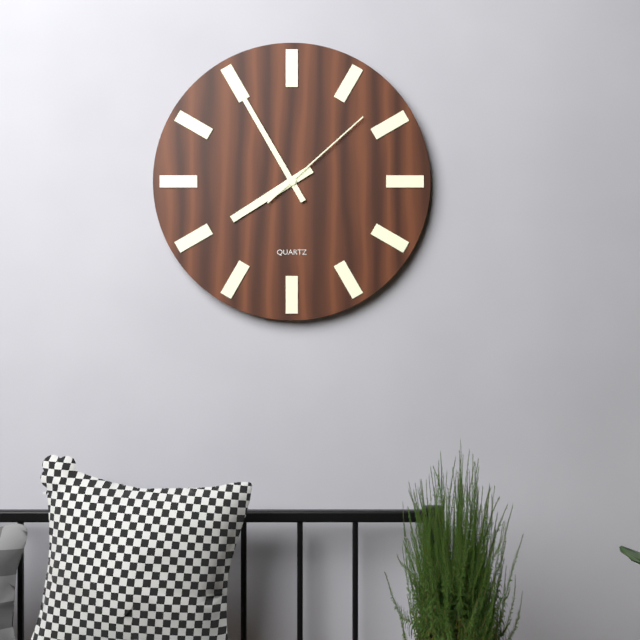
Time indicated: 7:55:08
